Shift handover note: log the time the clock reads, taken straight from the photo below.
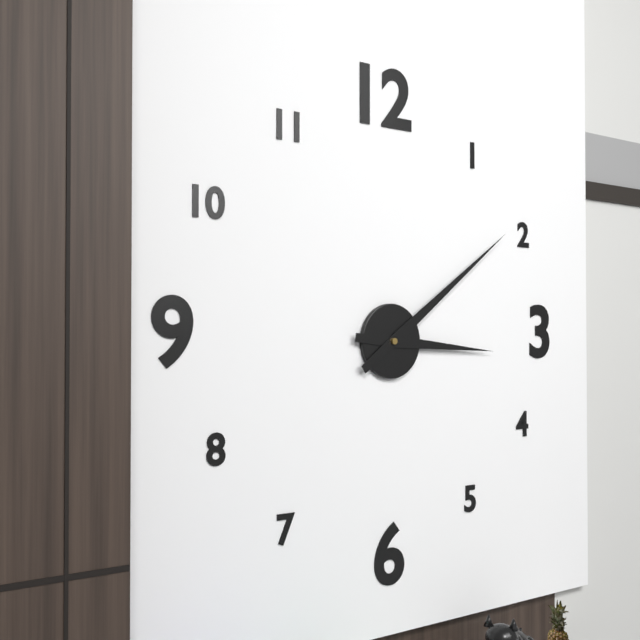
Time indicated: 3:09
